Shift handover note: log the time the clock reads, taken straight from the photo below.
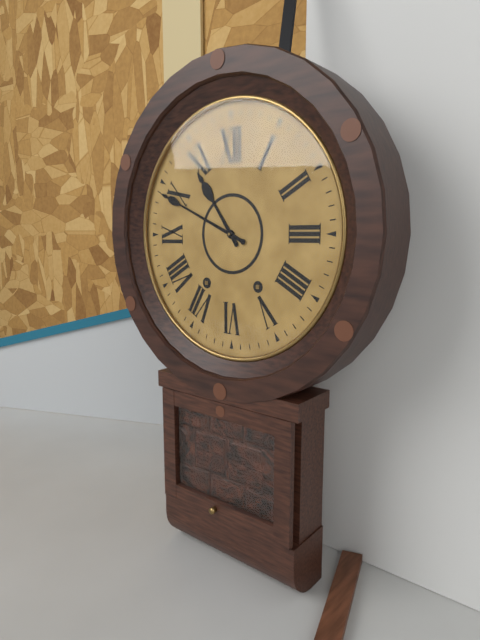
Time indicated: 10:49
